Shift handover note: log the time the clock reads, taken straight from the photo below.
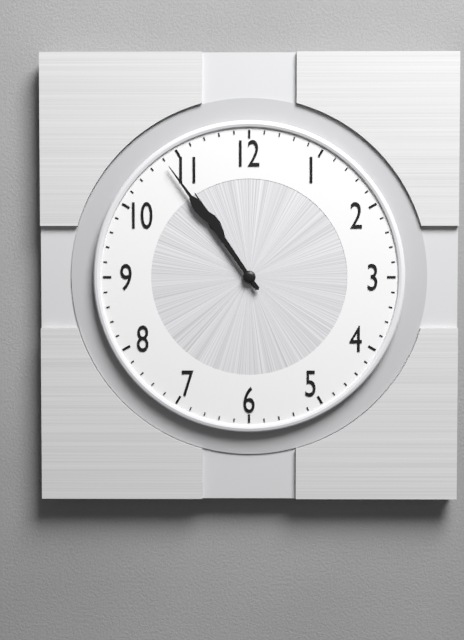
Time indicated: 10:54
